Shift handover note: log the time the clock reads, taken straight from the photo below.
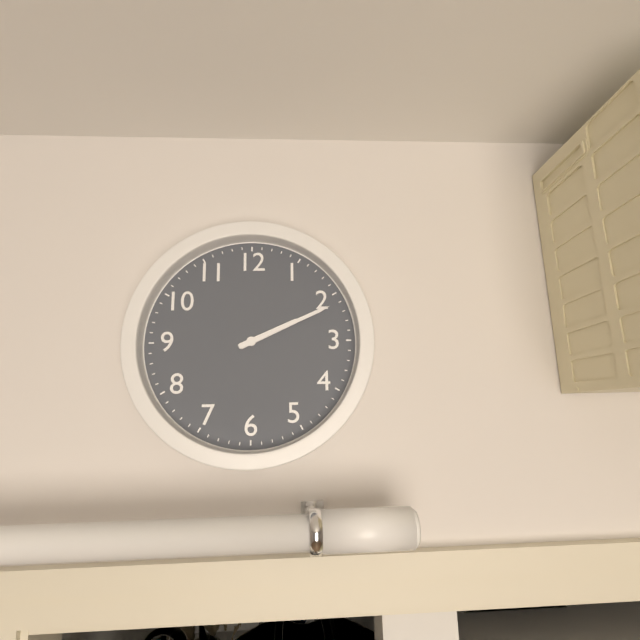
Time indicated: 2:11
